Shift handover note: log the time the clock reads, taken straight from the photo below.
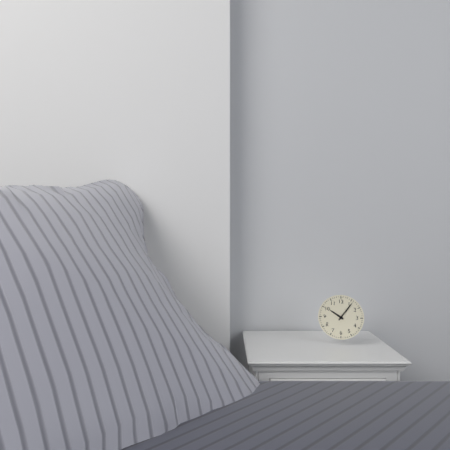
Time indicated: 10:06
